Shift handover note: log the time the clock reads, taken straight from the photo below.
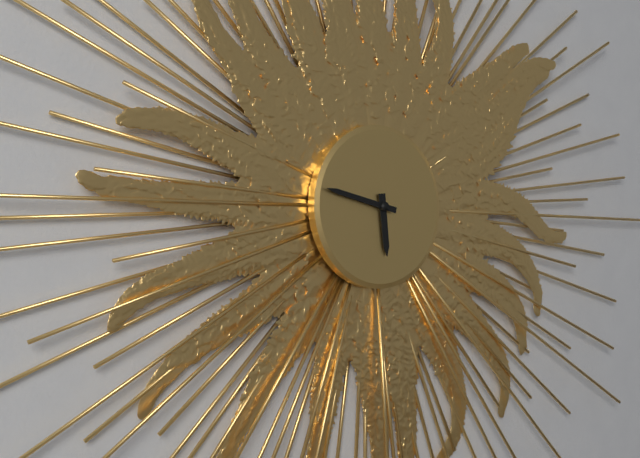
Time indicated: 5:47
